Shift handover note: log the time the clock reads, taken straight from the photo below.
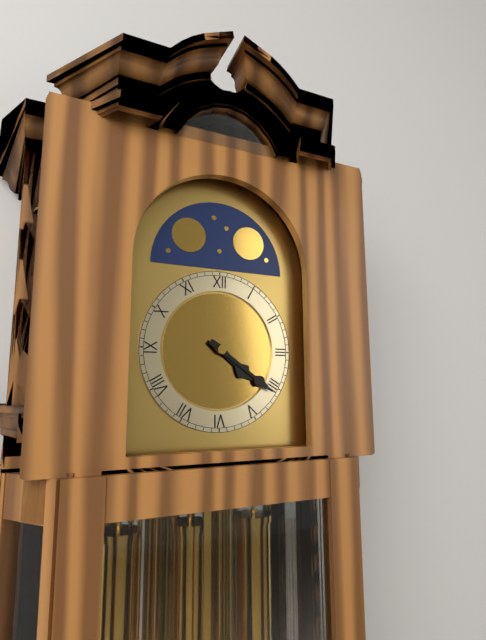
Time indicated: 4:21
